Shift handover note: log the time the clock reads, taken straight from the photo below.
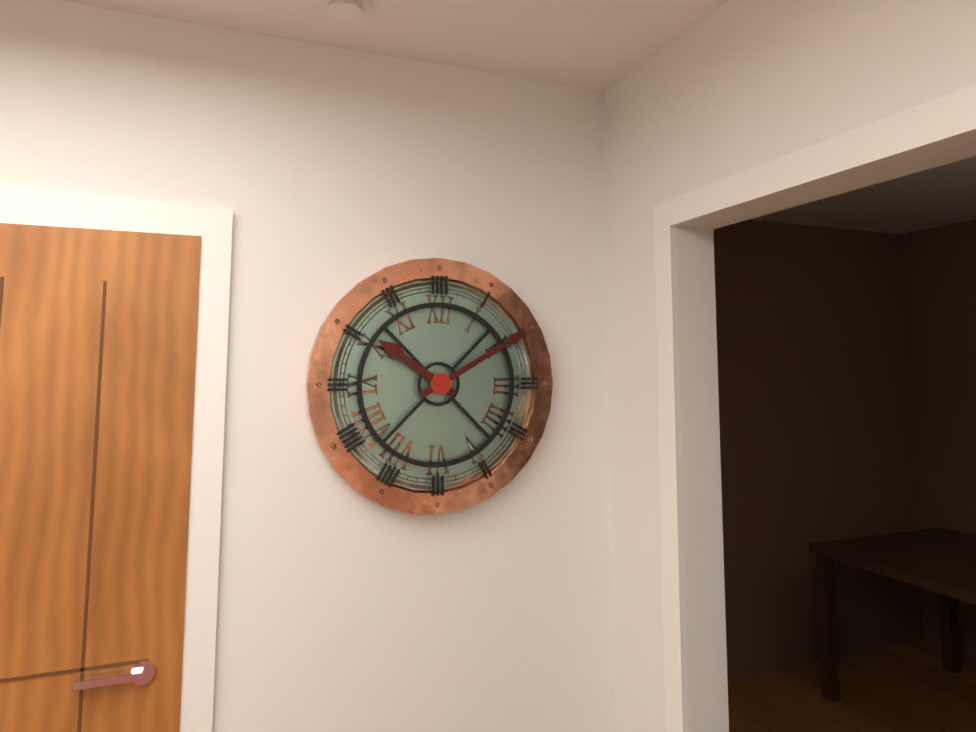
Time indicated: 10:10
